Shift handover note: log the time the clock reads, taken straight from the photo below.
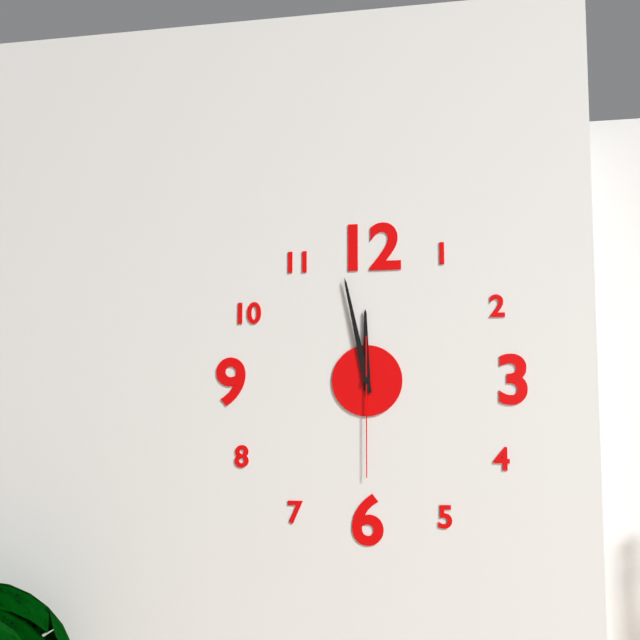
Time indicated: 11:58:30
